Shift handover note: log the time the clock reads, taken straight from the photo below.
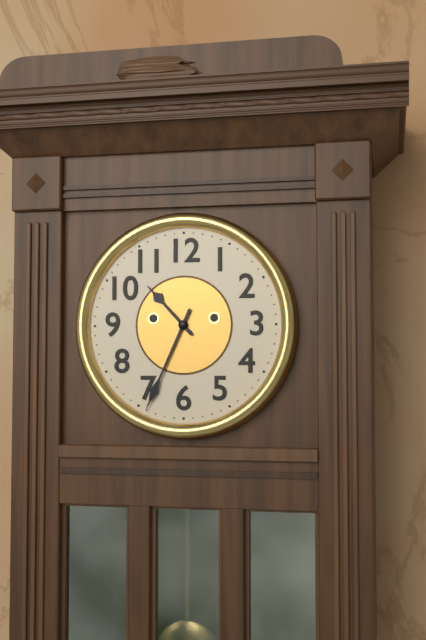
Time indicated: 10:34
